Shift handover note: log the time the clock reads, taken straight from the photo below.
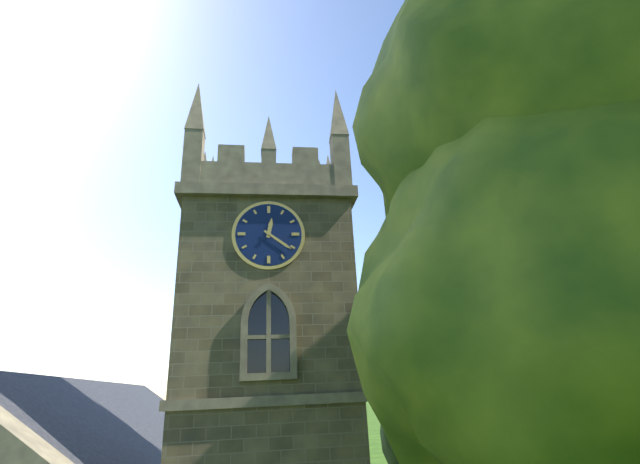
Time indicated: 12:21
